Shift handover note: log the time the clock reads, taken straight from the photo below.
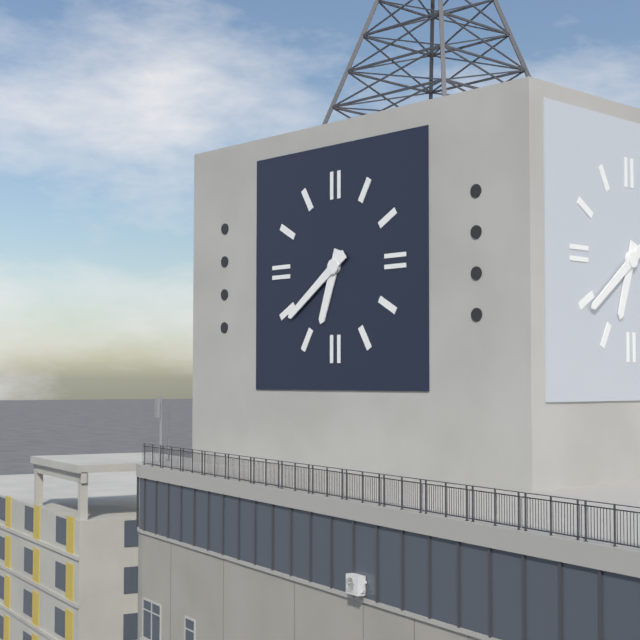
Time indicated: 6:39
